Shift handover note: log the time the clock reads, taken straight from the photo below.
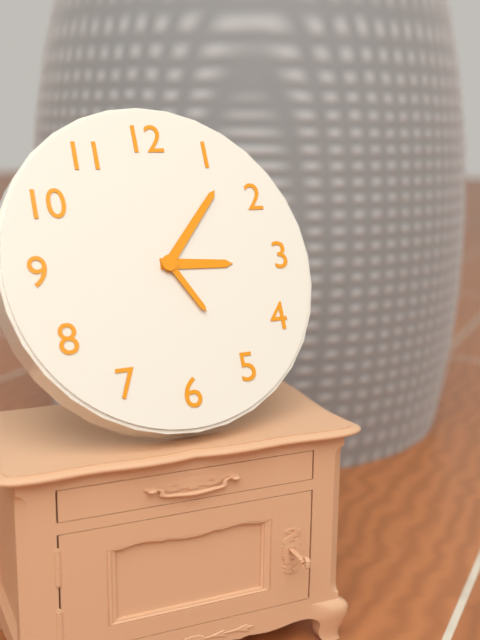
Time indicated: 3:07:25
